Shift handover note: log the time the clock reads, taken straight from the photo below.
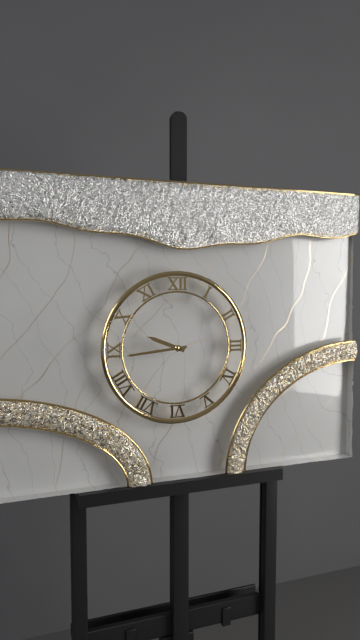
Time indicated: 9:44
